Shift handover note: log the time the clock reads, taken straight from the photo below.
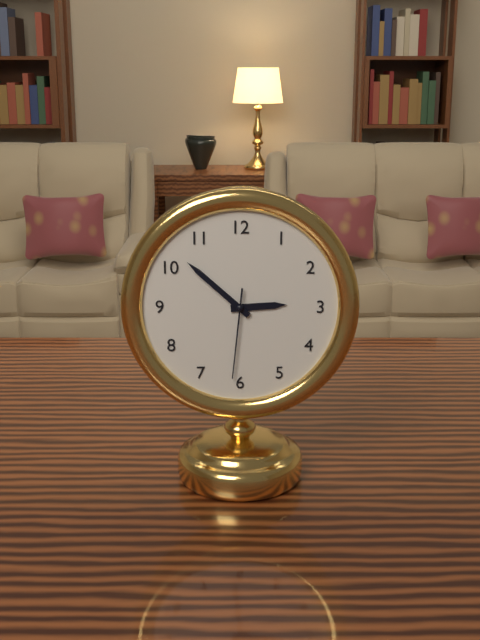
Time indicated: 2:52:31
